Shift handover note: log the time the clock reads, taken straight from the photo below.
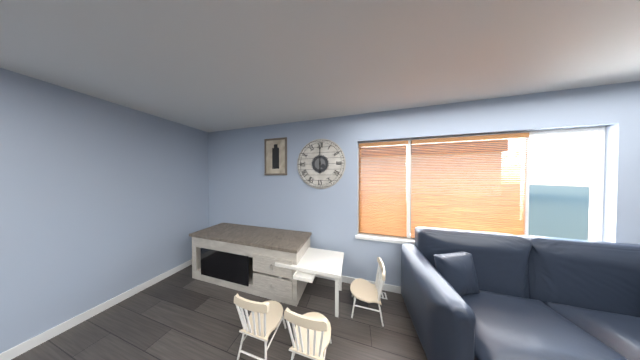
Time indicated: 6:00
